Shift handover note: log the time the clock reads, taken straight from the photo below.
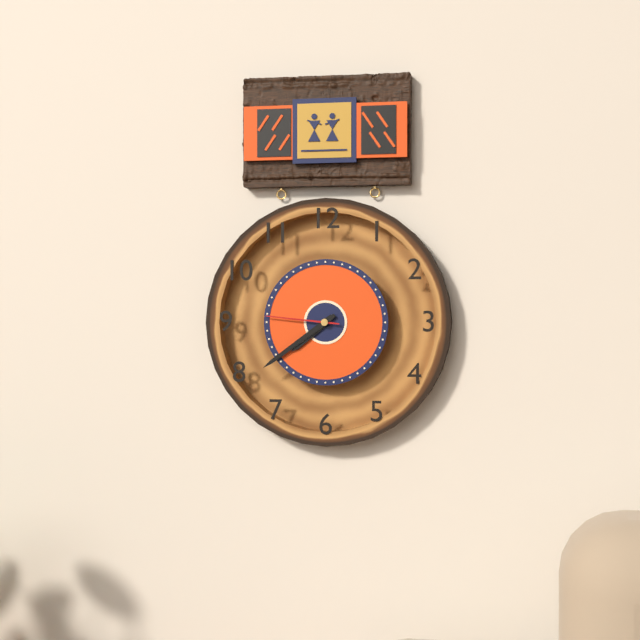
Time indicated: 7:39:46
